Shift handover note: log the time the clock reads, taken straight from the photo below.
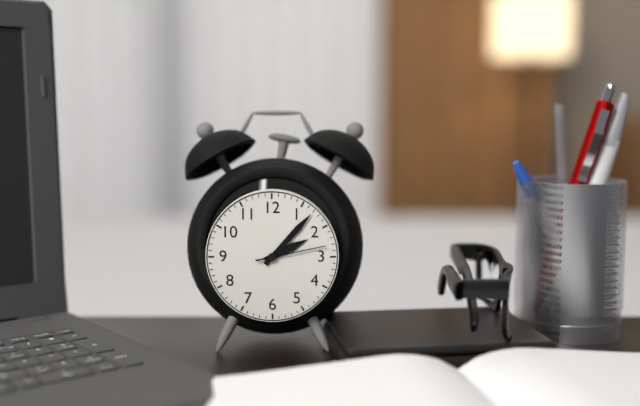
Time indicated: 2:07:13
